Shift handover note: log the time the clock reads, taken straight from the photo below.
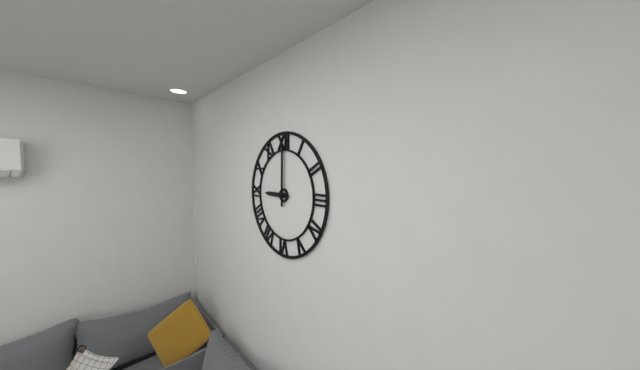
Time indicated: 9:00
